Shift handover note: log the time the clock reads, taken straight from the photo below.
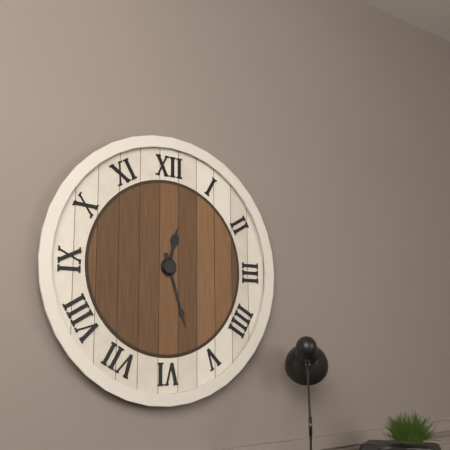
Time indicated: 12:27
